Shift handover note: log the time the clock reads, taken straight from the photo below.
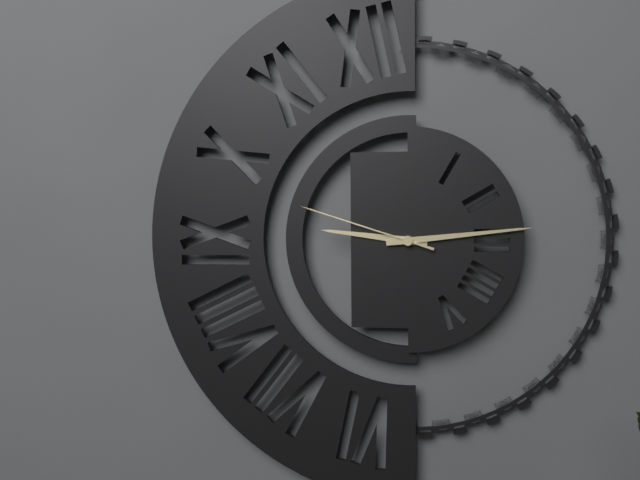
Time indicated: 9:14:48
